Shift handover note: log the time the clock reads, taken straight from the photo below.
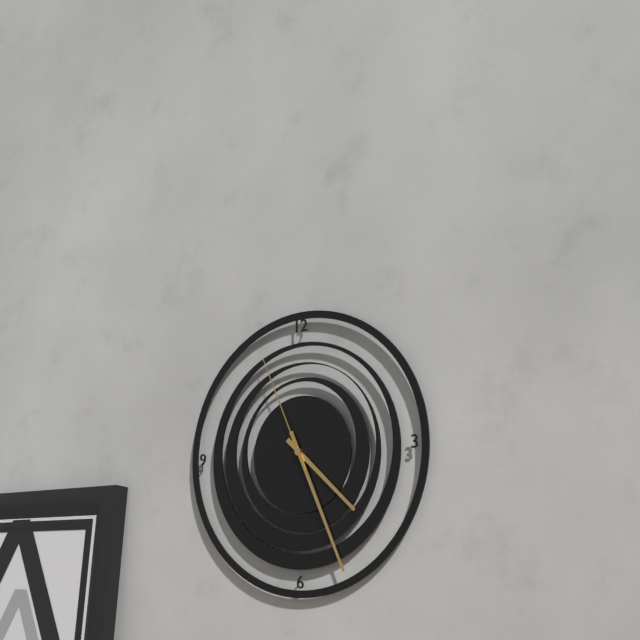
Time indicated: 4:26:56
